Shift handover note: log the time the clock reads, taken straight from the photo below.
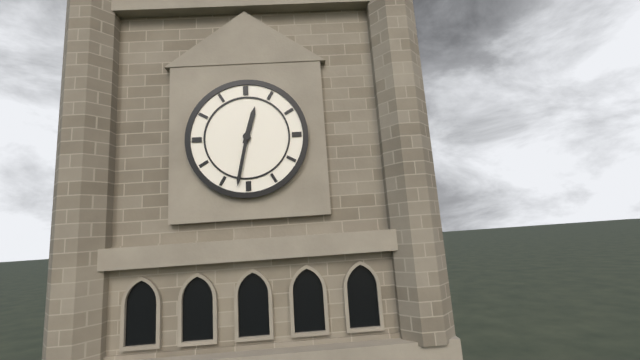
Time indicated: 12:32
